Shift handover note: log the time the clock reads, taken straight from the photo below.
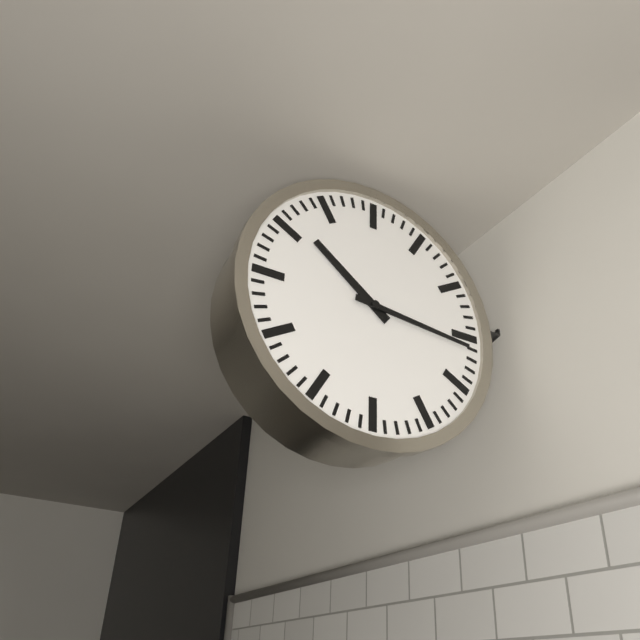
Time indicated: 10:16
